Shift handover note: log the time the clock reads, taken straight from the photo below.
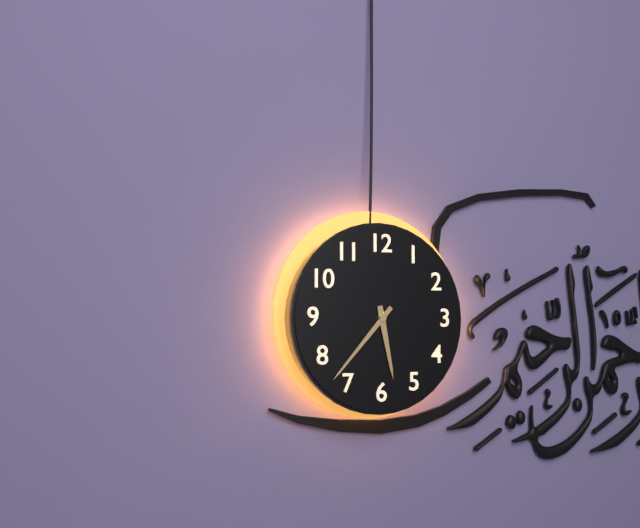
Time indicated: 5:37
